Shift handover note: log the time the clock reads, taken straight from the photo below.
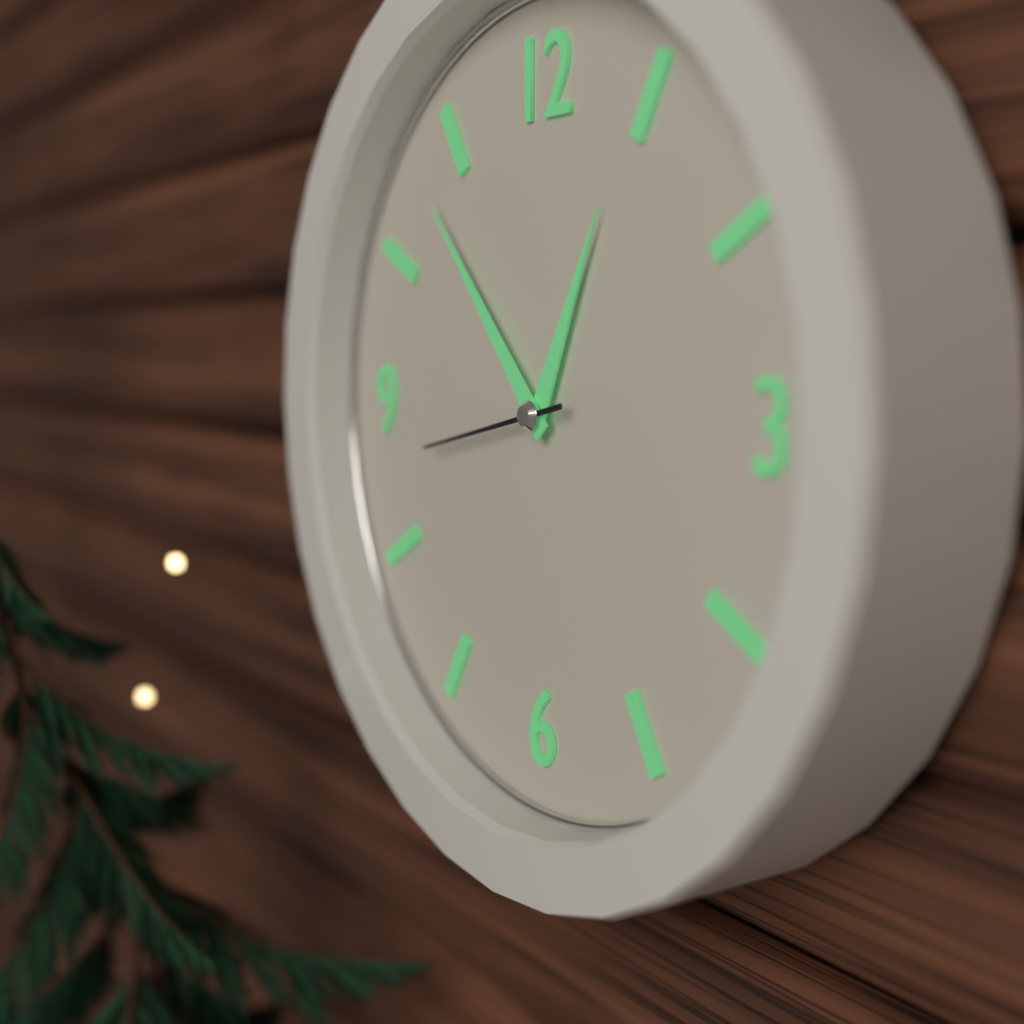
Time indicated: 12:53:43
